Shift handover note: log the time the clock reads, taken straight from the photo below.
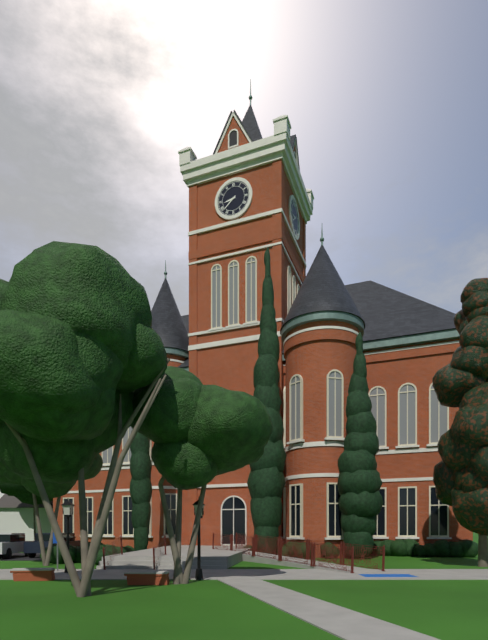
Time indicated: 8:38
